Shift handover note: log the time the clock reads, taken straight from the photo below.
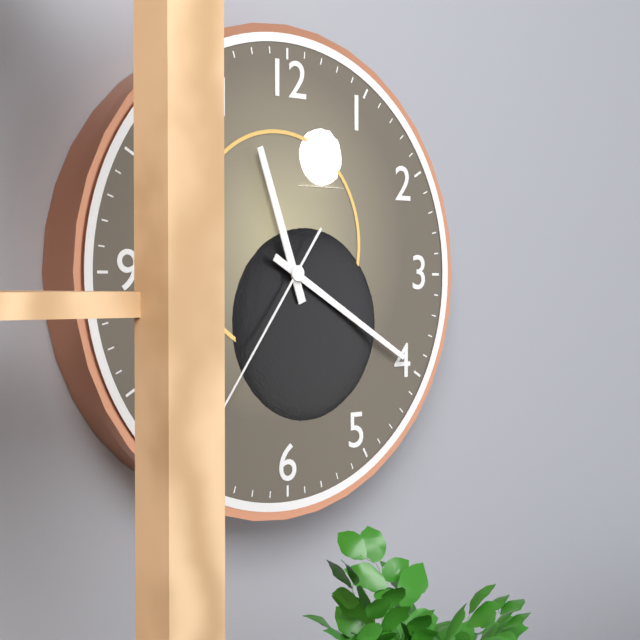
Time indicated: 11:20:36
